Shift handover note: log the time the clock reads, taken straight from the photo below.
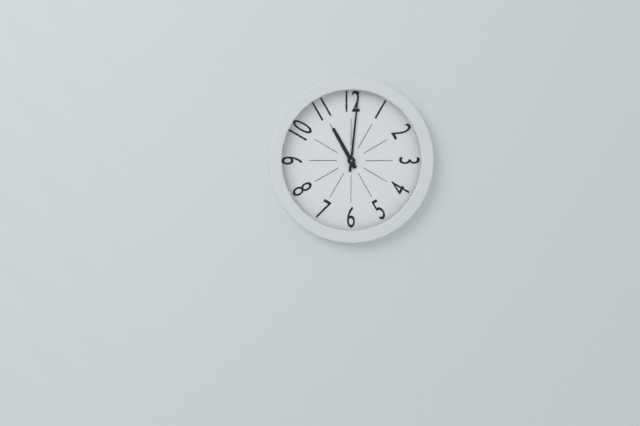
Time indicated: 11:01
